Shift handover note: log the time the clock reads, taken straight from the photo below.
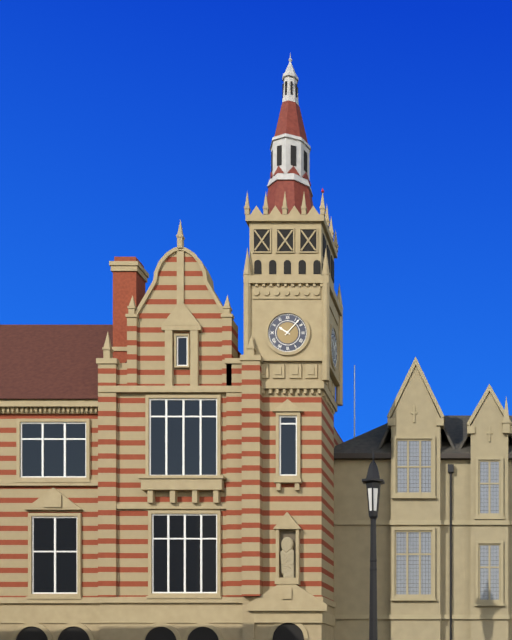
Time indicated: 10:07
